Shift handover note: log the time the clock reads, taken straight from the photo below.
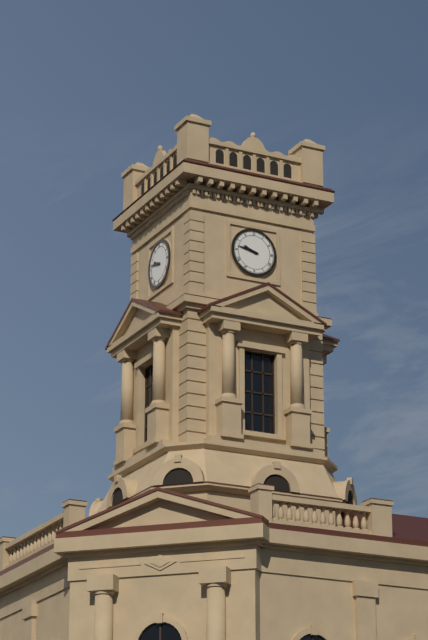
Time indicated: 9:47
